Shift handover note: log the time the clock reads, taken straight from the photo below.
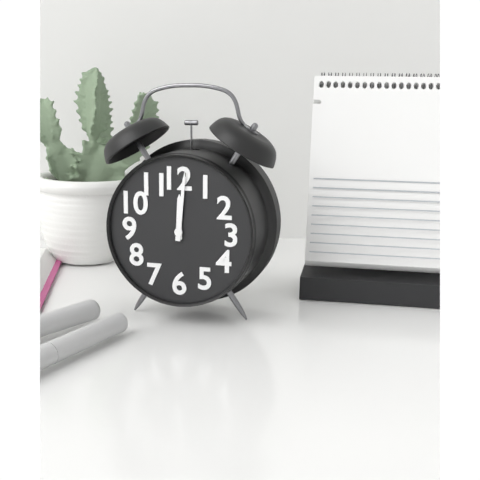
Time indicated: 12:01
